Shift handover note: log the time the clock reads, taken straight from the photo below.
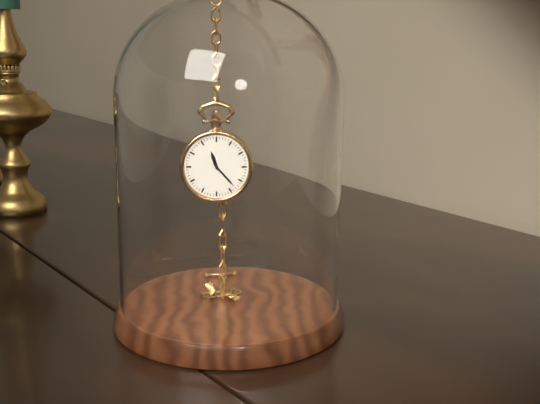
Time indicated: 11:23
